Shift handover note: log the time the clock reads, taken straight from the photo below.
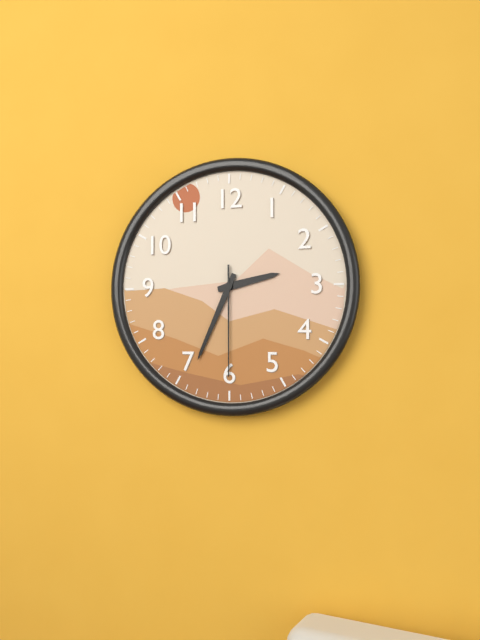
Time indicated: 2:34:30
